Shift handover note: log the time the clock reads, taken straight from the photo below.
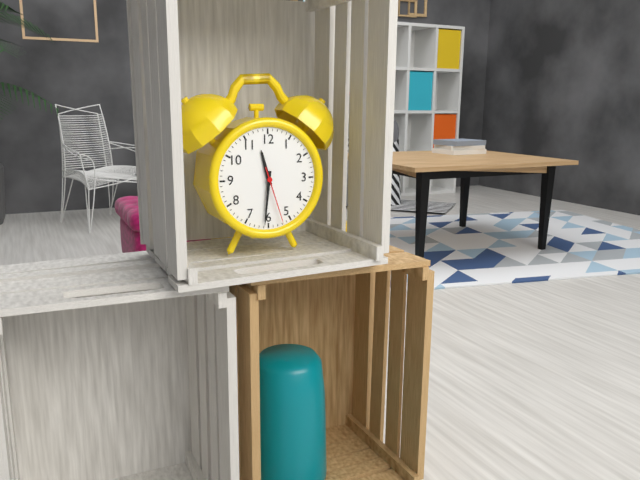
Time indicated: 11:31:27
